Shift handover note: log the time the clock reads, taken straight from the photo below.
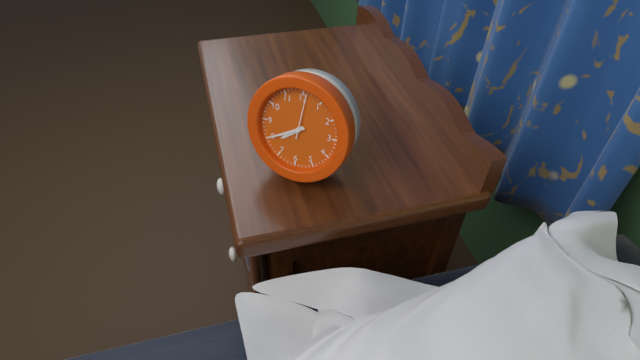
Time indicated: 7:40
